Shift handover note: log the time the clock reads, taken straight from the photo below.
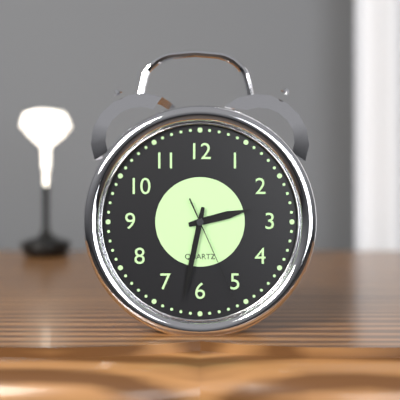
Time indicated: 2:32:26
